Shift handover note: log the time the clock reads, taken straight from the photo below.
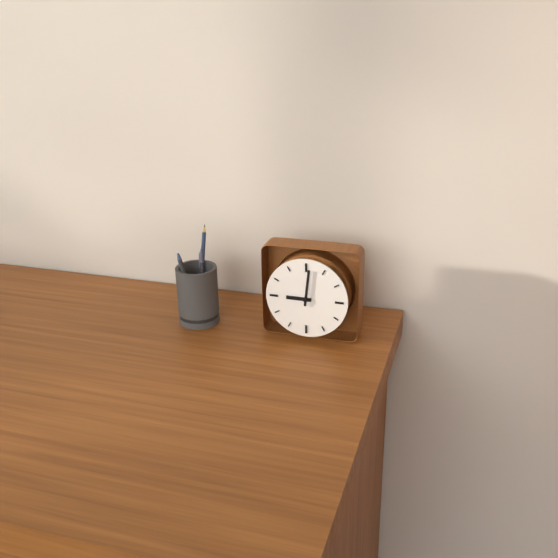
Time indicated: 9:01
